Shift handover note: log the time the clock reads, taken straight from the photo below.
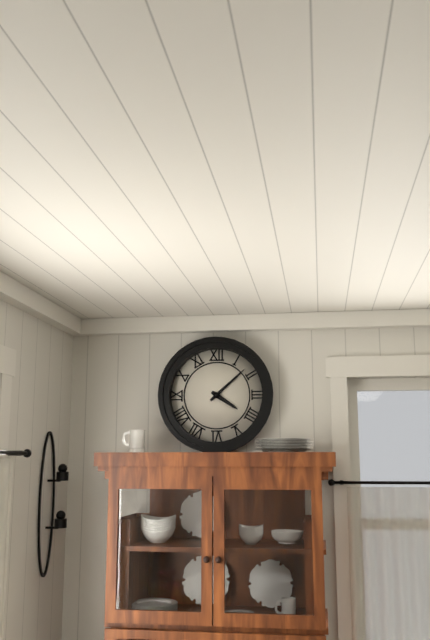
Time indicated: 4:08
